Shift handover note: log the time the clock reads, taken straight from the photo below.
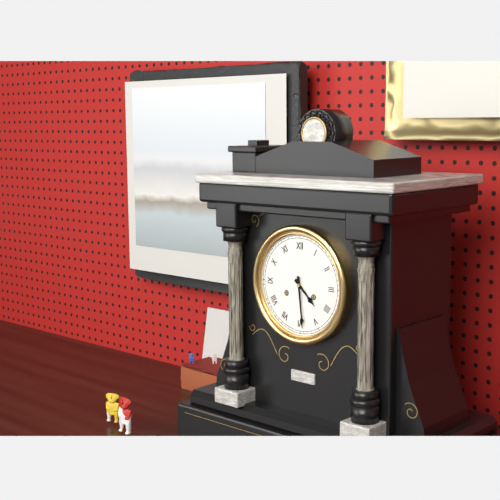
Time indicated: 4:29
